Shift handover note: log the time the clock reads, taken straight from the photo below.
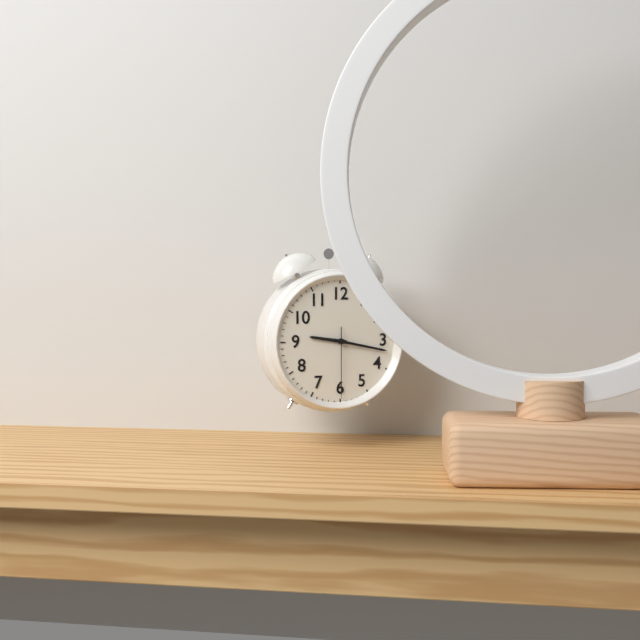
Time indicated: 9:17:30
